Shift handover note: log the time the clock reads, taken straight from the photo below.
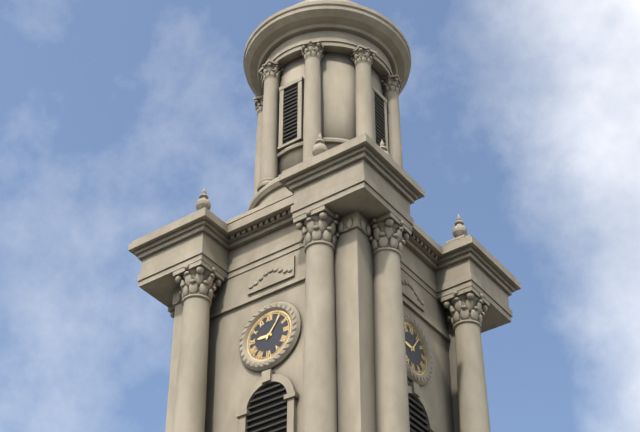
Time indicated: 9:06
